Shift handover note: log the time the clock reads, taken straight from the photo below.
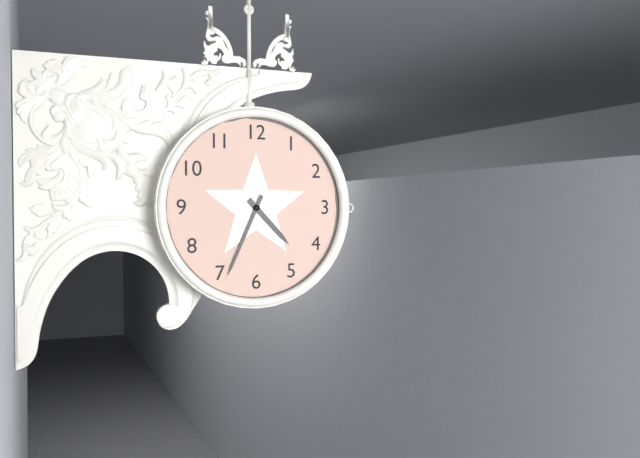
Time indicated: 4:34
